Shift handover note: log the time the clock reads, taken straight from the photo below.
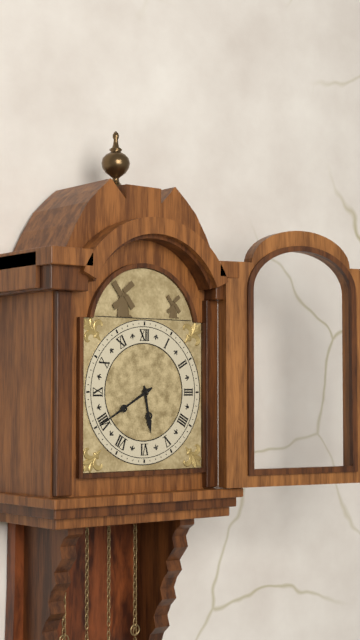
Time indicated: 5:40
